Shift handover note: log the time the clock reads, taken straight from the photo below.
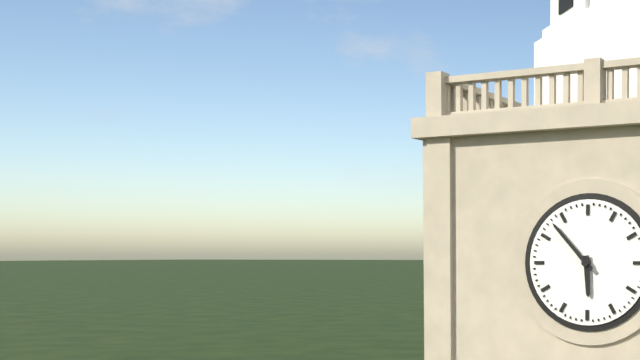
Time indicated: 5:53
